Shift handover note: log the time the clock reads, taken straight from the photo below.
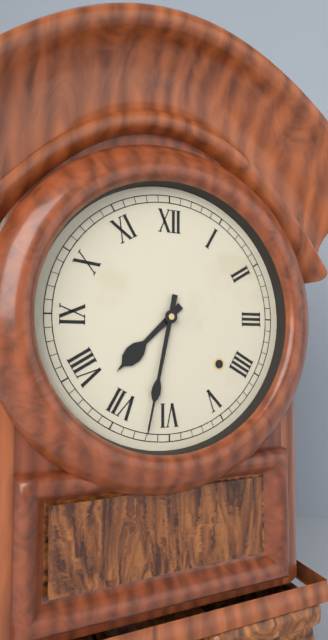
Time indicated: 7:32
